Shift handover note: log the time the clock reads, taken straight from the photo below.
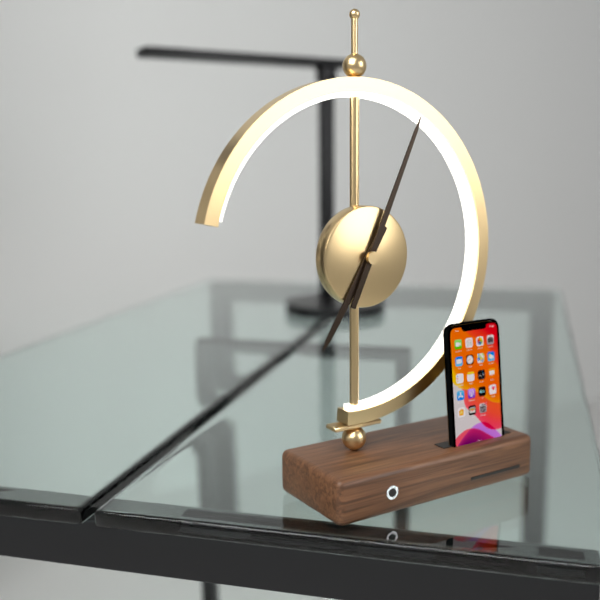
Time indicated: 7:04
